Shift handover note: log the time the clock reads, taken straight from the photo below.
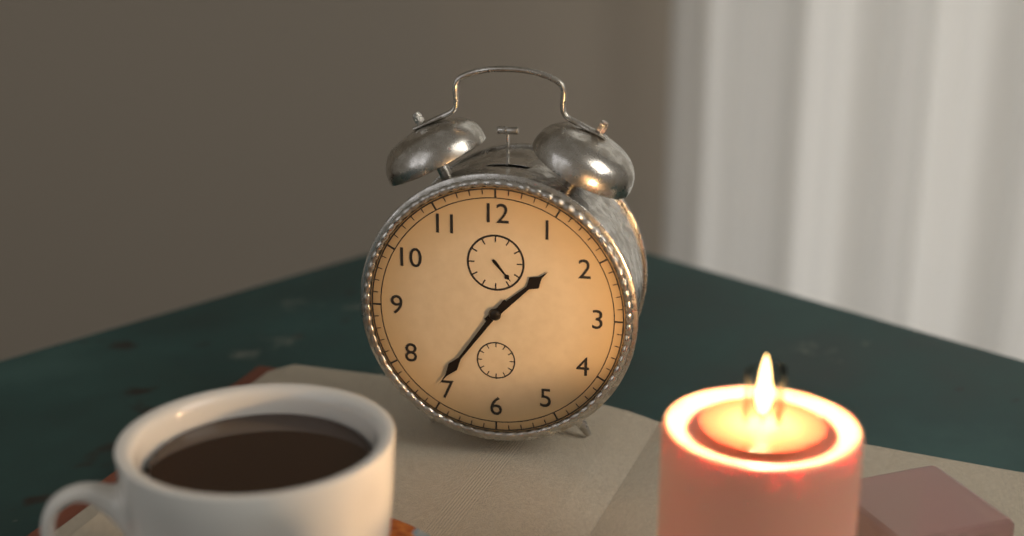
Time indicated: 1:36
